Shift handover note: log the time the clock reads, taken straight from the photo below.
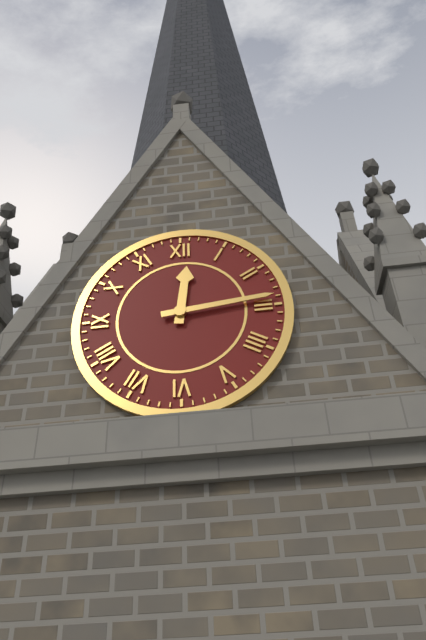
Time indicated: 12:14
